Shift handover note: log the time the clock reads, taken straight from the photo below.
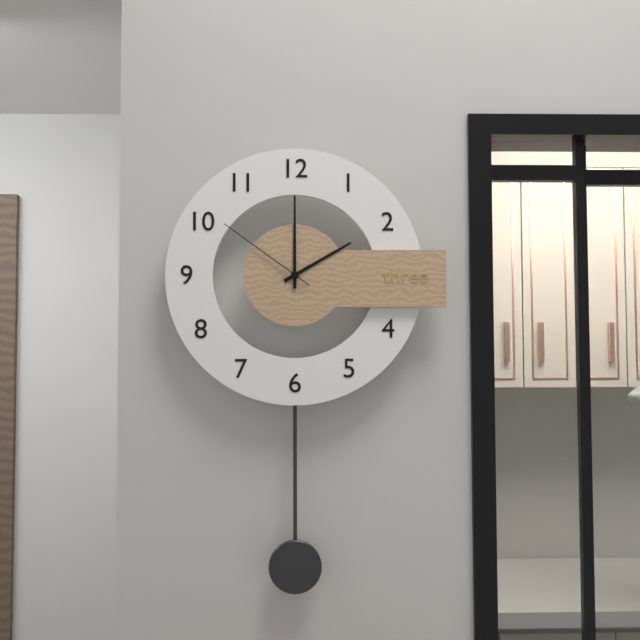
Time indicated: 2:00:51
